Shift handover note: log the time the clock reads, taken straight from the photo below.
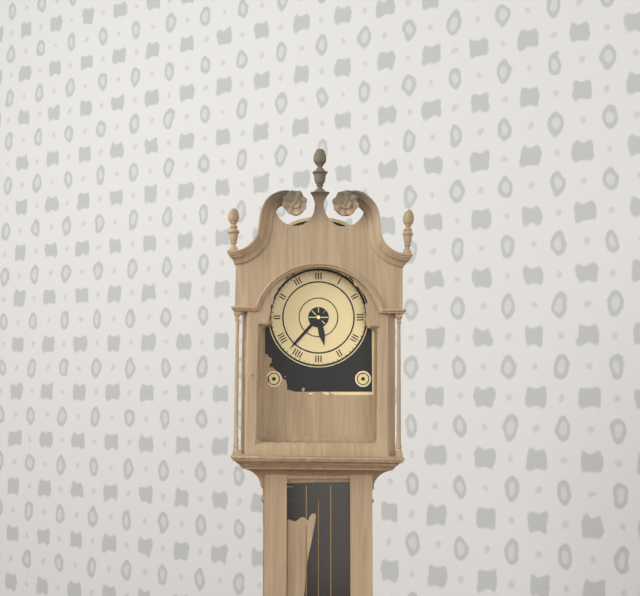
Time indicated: 5:37
